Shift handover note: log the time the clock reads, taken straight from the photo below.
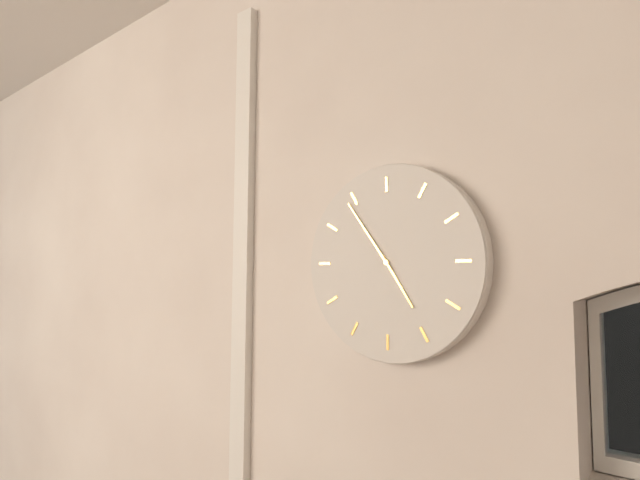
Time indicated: 4:54
